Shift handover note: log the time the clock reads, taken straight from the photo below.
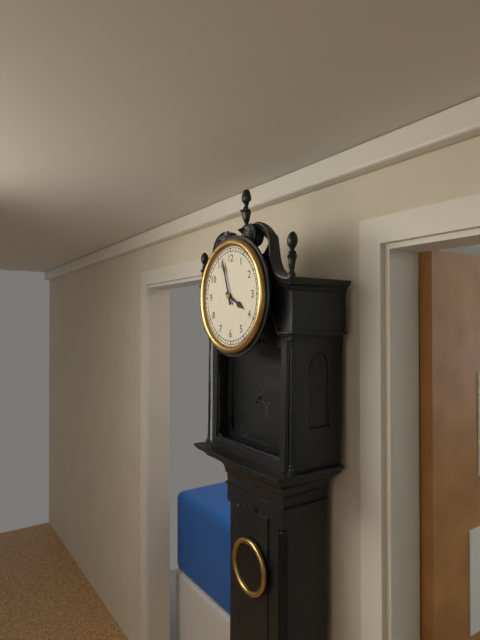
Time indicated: 3:57
